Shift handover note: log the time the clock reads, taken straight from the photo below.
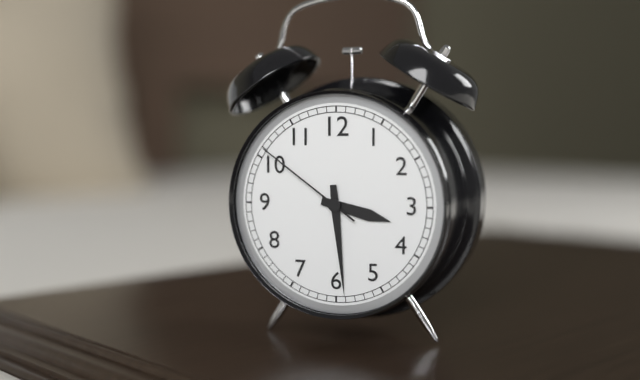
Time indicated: 3:29:51
